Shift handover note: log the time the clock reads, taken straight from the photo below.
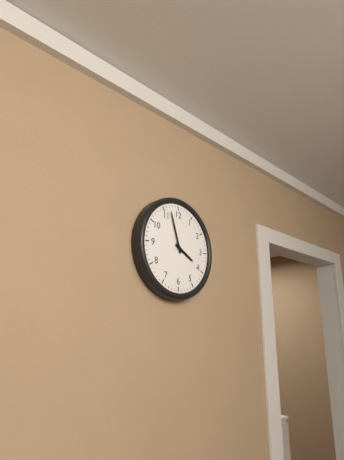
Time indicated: 3:57
